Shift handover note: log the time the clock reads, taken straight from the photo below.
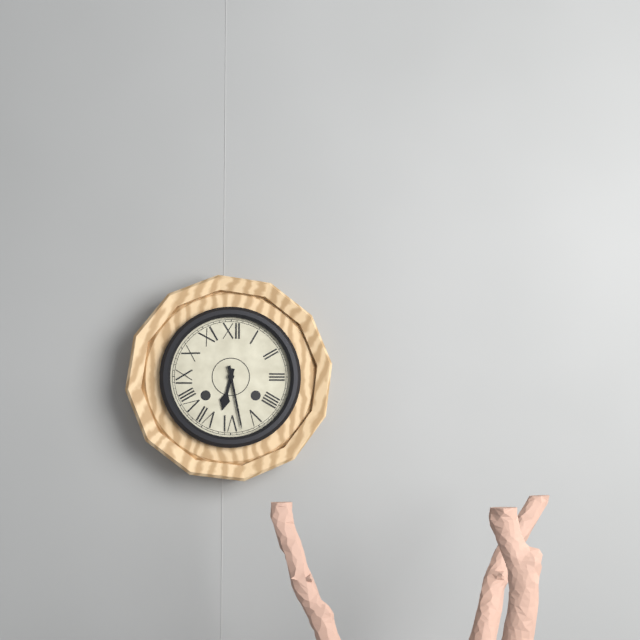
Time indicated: 6:28
